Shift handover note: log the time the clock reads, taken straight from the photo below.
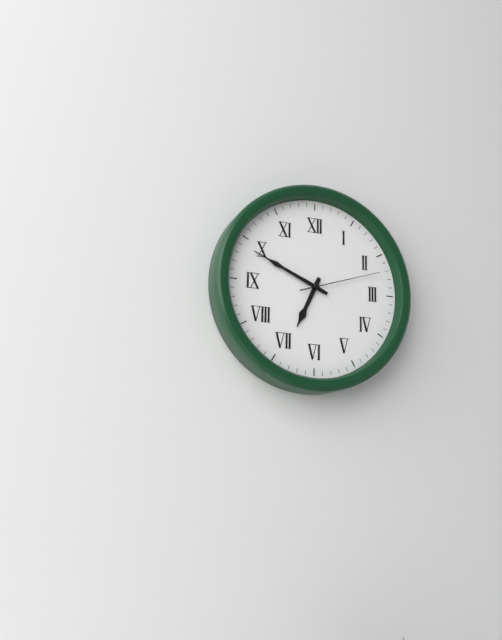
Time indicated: 6:49:12
